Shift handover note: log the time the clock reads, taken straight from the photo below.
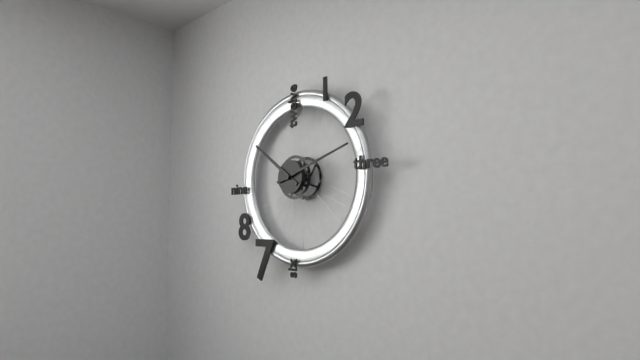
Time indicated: 10:12
